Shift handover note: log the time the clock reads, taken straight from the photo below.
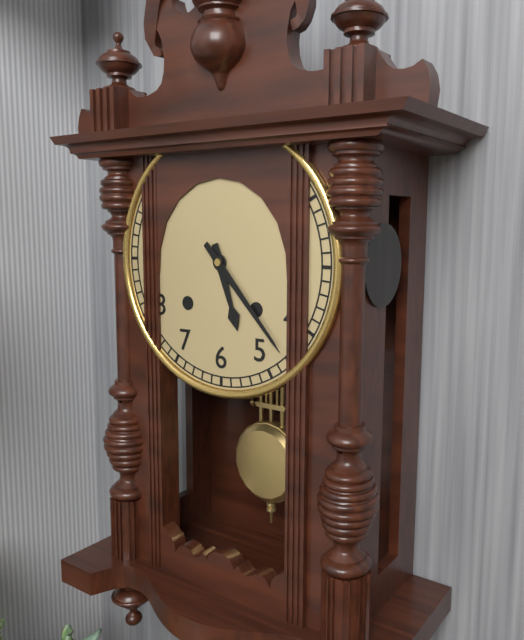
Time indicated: 5:23
